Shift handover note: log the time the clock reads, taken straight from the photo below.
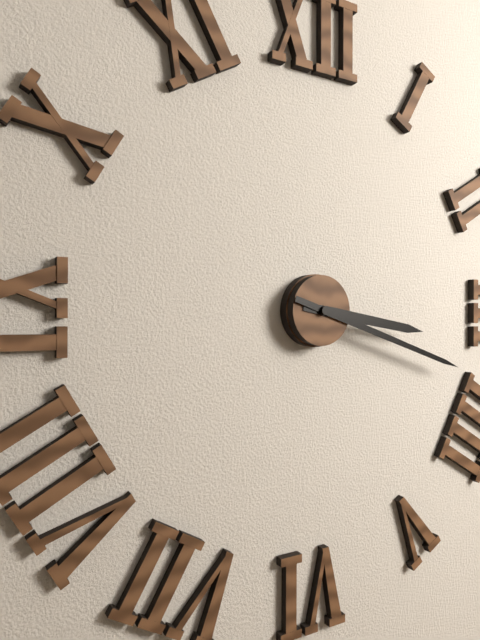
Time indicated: 3:18
